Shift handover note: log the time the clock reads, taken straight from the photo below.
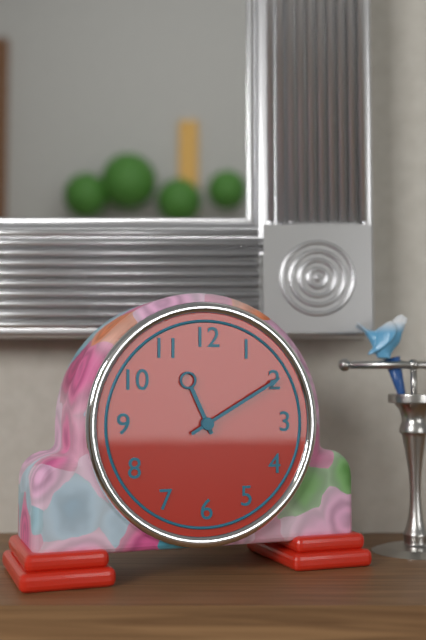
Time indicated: 11:10
